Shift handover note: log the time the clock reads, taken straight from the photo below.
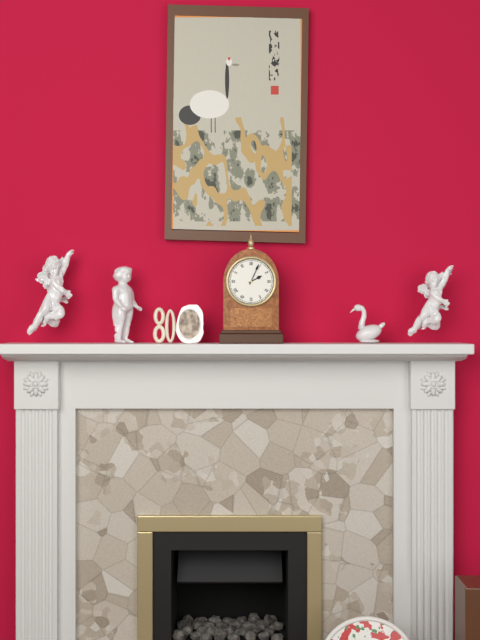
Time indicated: 2:04
